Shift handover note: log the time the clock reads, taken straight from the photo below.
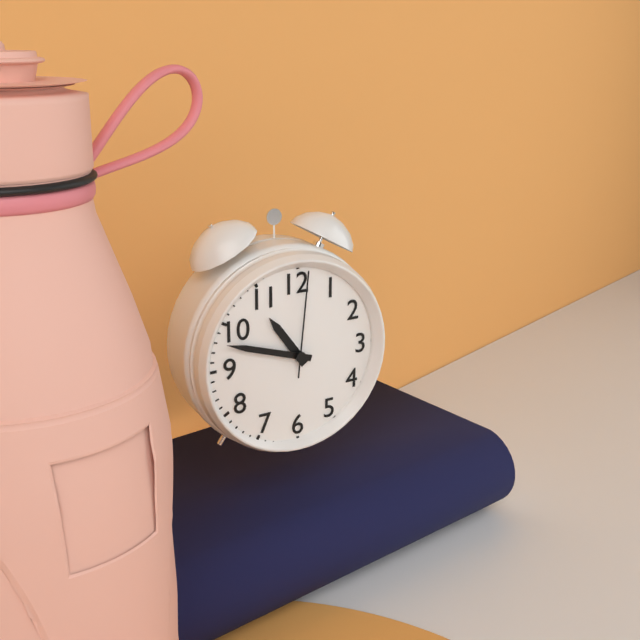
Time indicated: 10:48:01
